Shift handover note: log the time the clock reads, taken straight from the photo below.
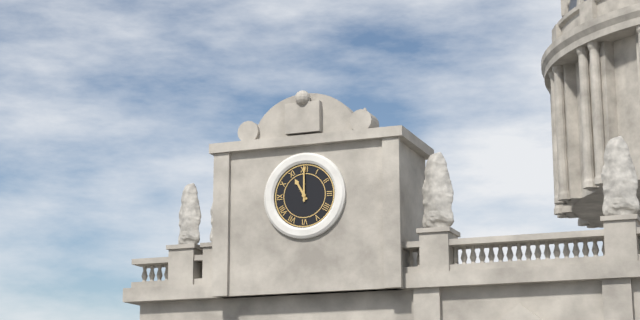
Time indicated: 11:00
